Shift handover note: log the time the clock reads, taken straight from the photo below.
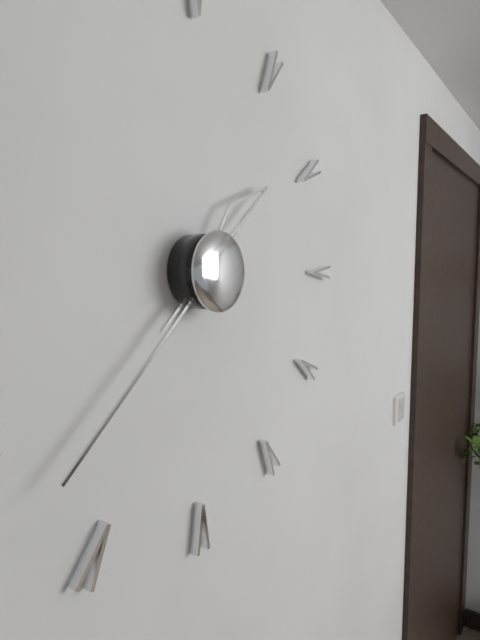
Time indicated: 1:38
